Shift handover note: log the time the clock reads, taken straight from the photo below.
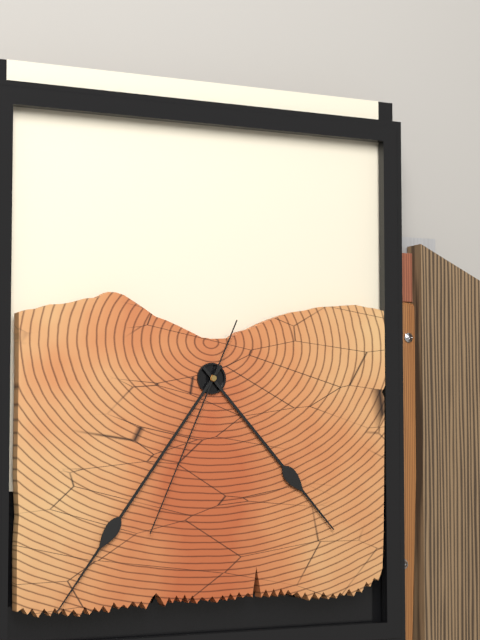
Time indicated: 4:36:34
